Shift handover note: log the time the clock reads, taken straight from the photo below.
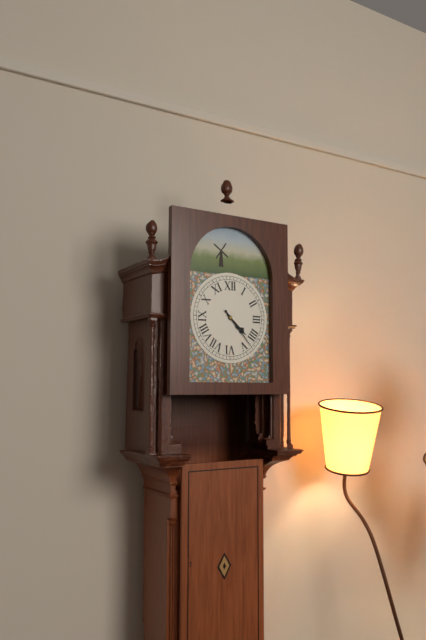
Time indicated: 4:23
